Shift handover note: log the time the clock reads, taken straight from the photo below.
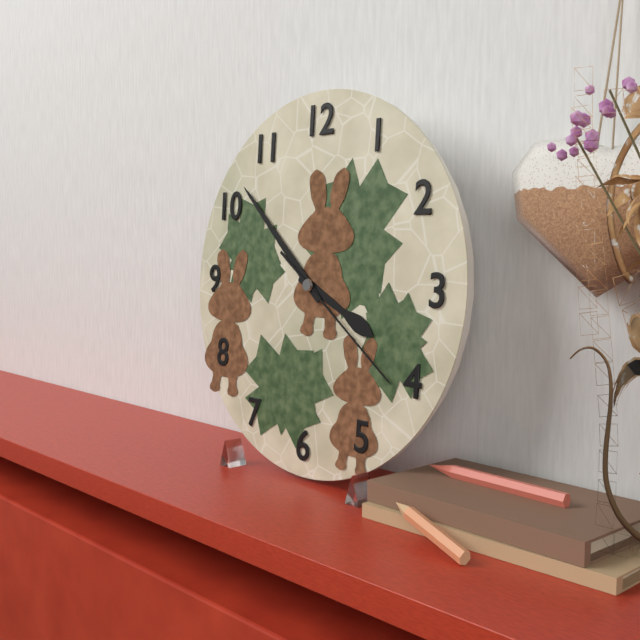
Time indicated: 3:52:21
